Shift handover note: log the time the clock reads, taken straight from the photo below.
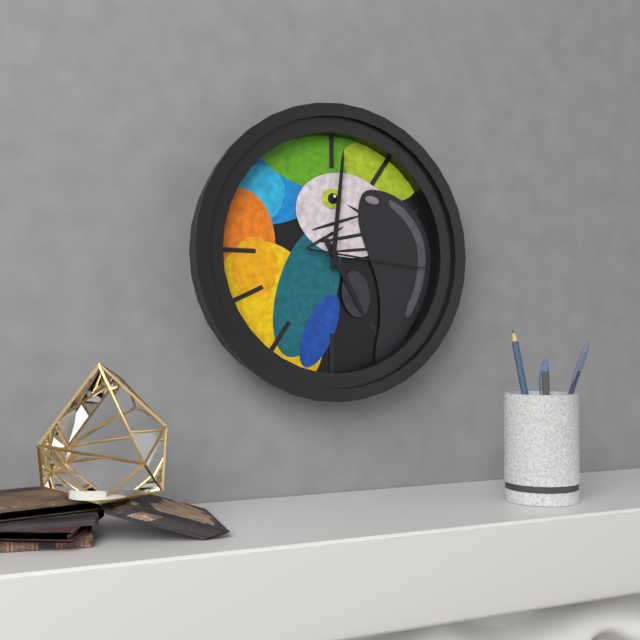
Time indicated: 5:01:16
